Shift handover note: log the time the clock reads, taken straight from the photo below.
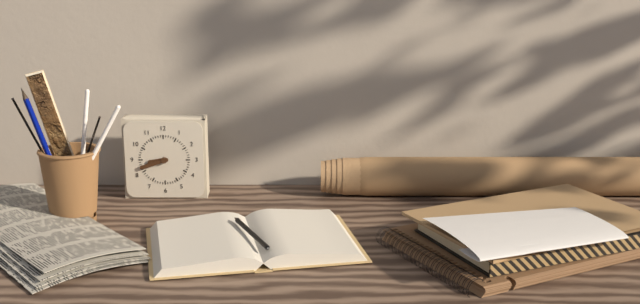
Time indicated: 8:42
